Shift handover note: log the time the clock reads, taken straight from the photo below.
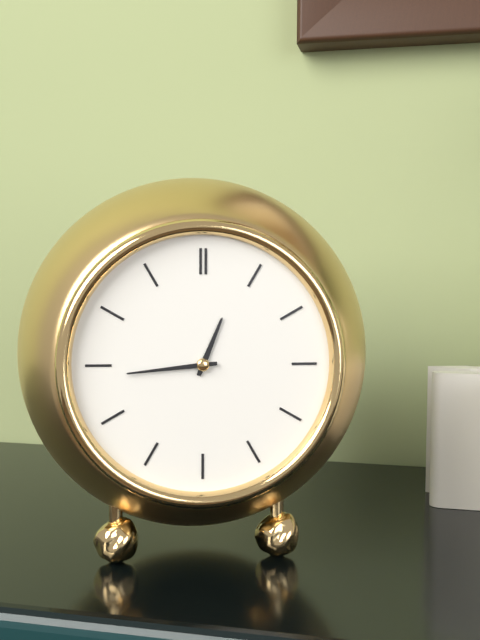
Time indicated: 12:44
